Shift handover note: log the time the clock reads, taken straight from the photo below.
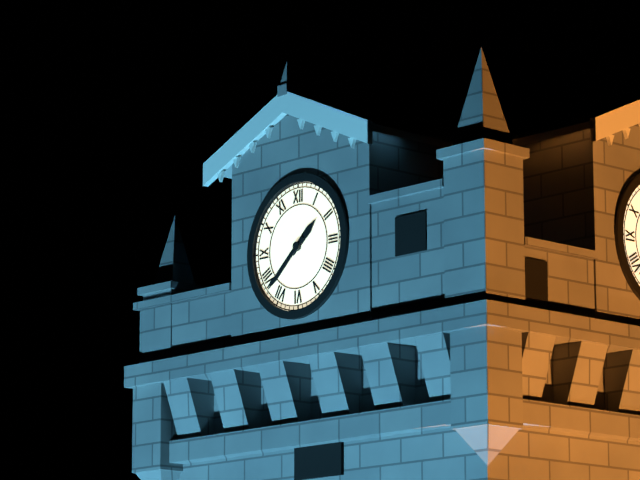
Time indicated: 1:38
